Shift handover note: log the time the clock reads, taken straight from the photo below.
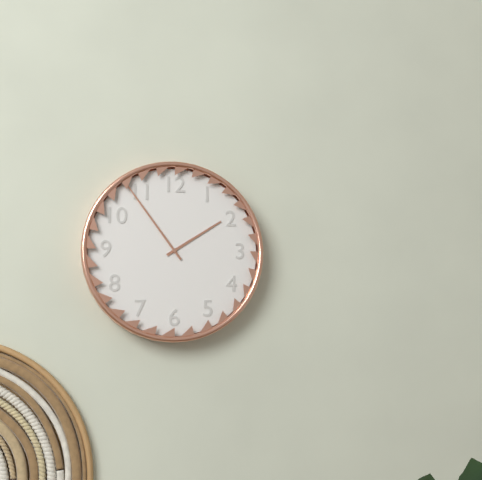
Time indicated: 1:54
